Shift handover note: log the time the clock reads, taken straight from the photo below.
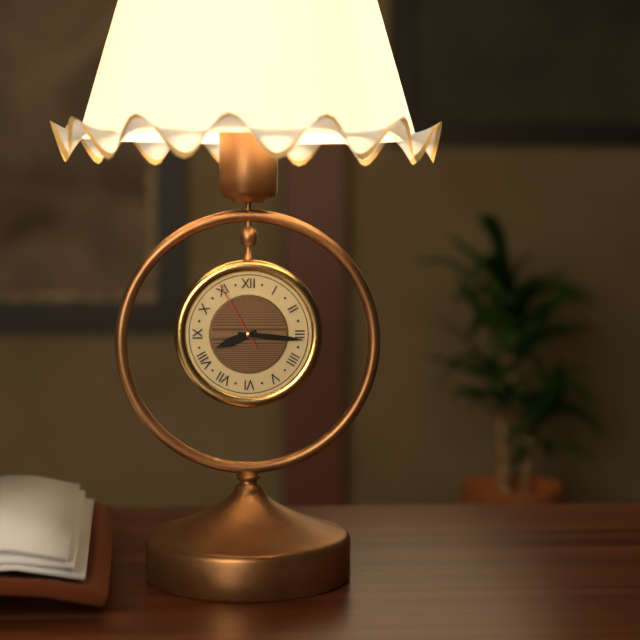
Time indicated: 8:16:55
